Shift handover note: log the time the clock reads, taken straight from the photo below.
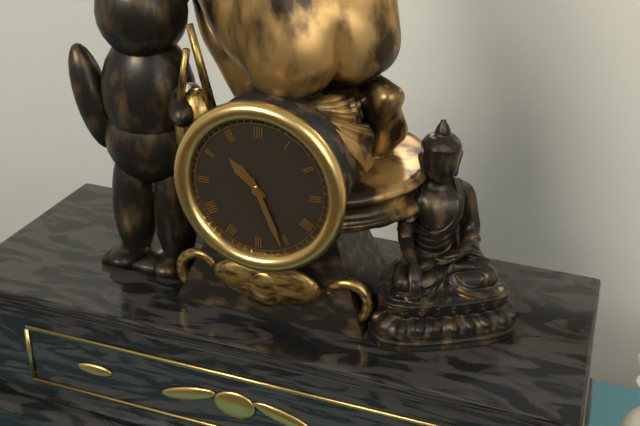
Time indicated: 10:26
